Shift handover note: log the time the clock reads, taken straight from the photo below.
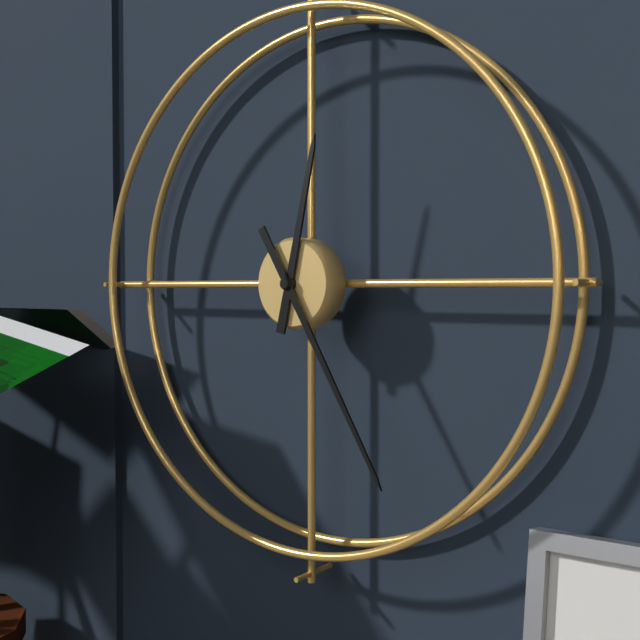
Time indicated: 12:25
